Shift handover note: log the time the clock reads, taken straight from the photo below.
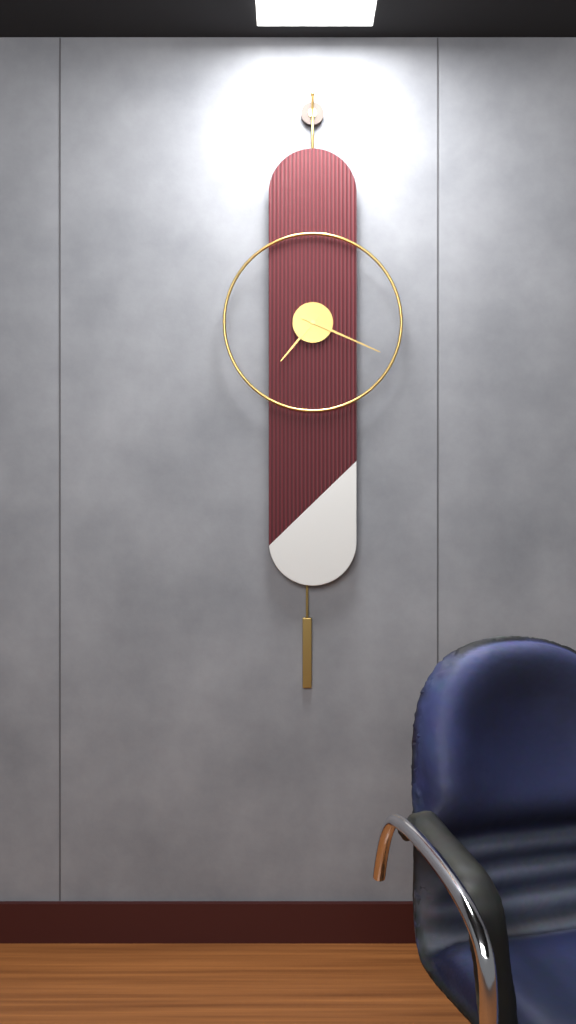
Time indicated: 7:19
